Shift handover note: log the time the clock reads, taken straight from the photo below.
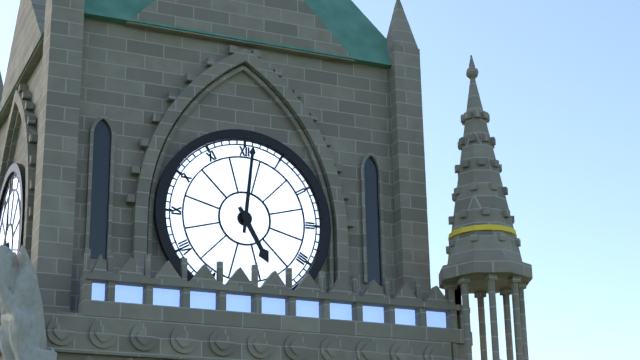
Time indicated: 5:01
